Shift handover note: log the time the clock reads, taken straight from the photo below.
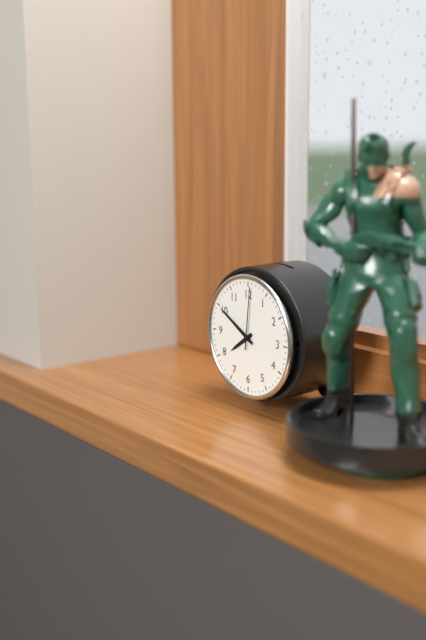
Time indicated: 7:50:01
